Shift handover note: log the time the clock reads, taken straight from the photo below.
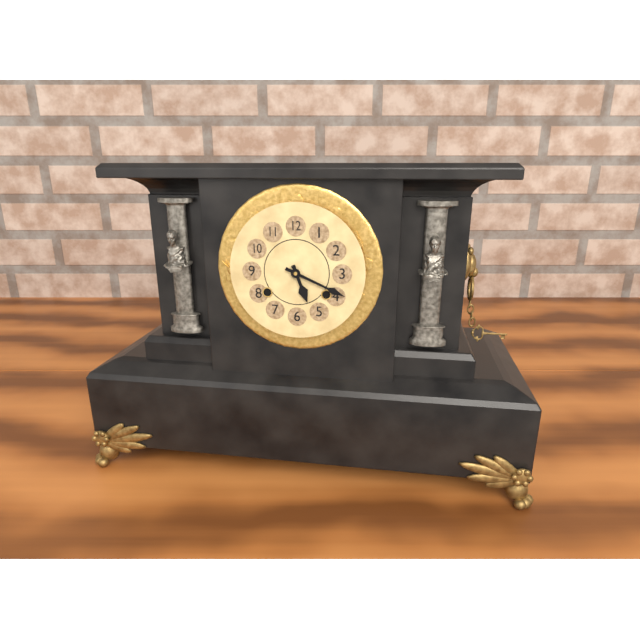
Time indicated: 5:19
